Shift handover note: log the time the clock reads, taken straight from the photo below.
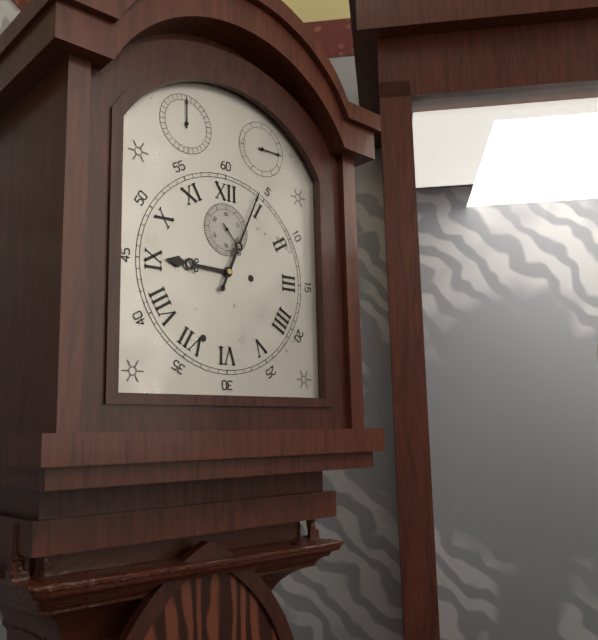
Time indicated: 9:04
